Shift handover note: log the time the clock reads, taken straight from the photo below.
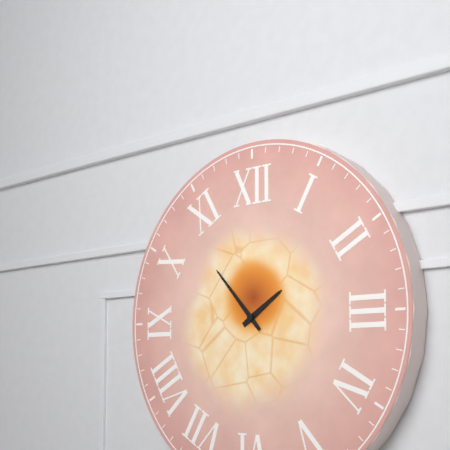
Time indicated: 1:53
